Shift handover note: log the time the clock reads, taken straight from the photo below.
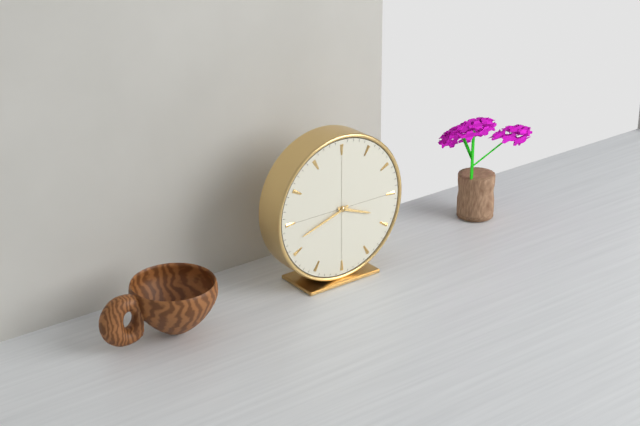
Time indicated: 3:42
